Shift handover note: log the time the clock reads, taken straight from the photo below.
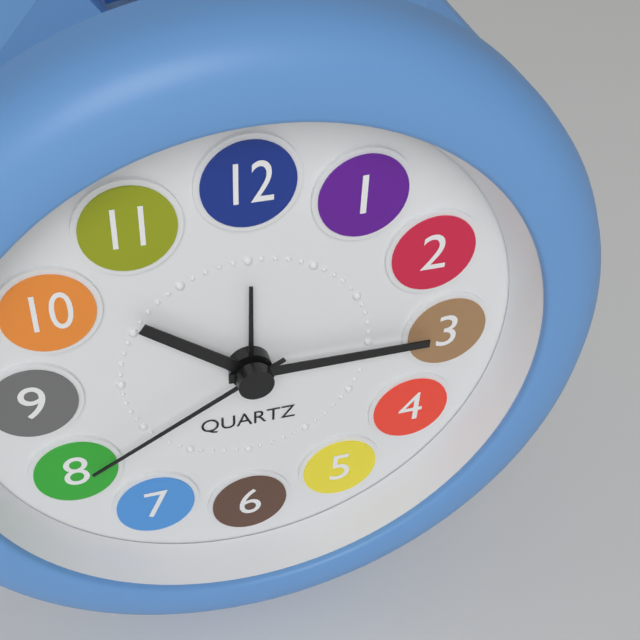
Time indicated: 10:15:40
